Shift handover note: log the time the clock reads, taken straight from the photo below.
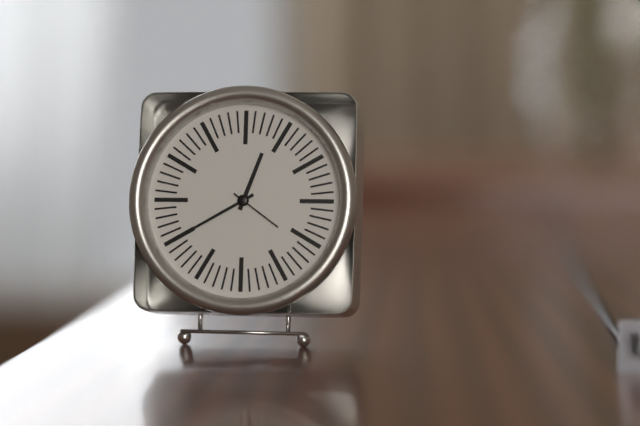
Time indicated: 12:40:21
